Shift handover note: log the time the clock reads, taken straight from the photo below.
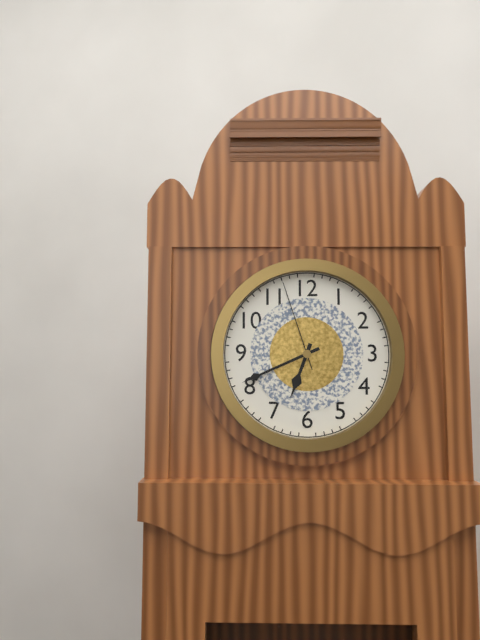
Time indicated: 6:41:57
